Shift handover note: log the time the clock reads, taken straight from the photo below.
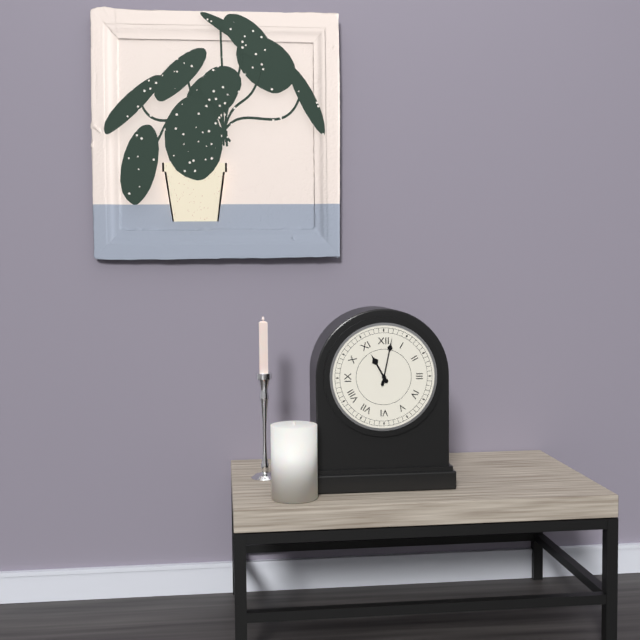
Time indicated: 11:02
